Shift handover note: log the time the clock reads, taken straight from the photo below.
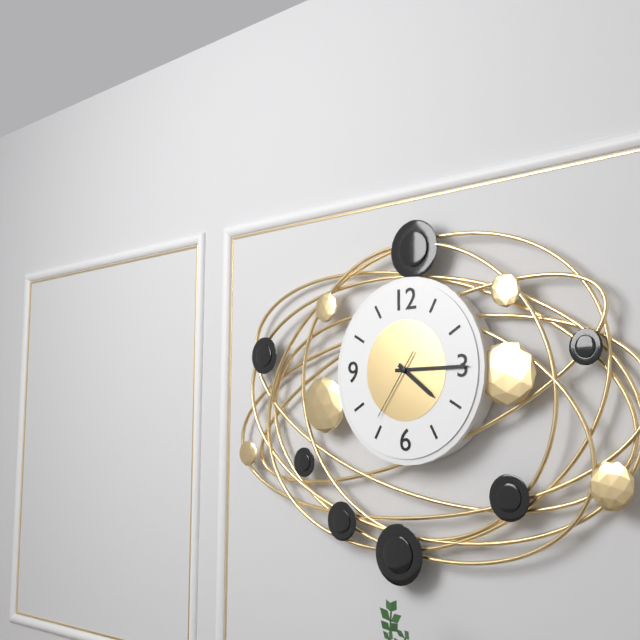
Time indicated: 4:15:36
